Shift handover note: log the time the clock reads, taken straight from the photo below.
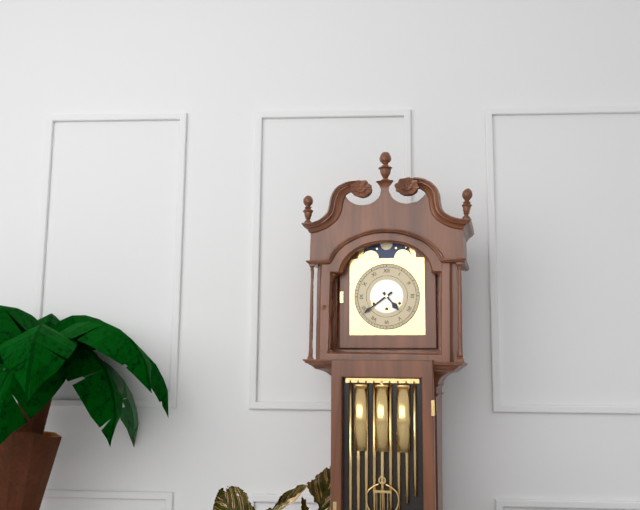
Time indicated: 4:39
